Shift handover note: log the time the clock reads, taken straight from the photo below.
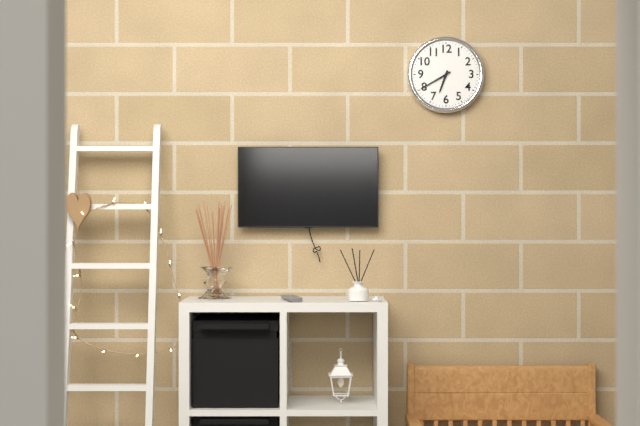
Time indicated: 6:40
